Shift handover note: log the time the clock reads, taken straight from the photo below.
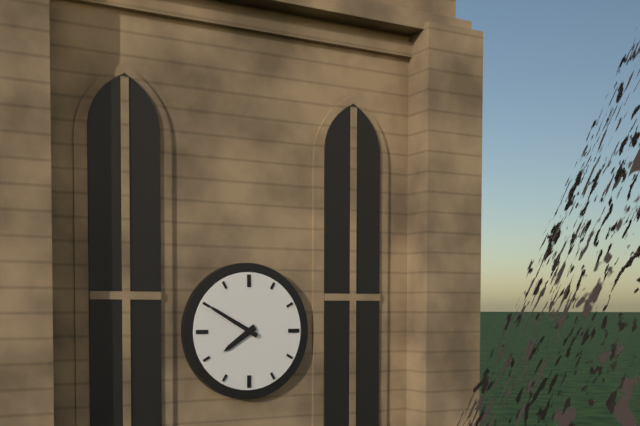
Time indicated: 7:50
